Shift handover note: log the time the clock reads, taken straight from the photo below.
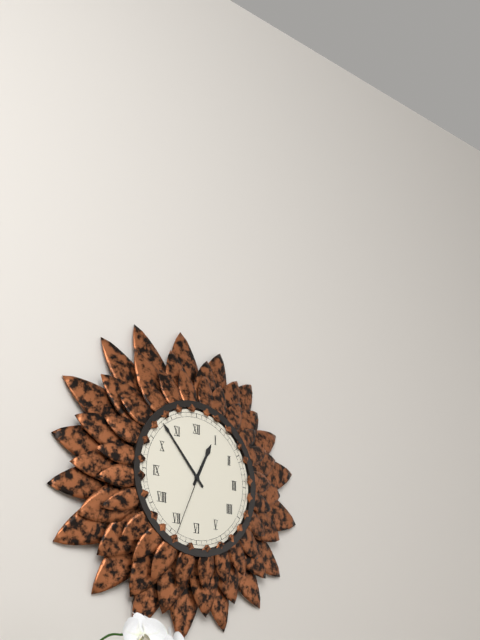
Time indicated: 12:53:34
